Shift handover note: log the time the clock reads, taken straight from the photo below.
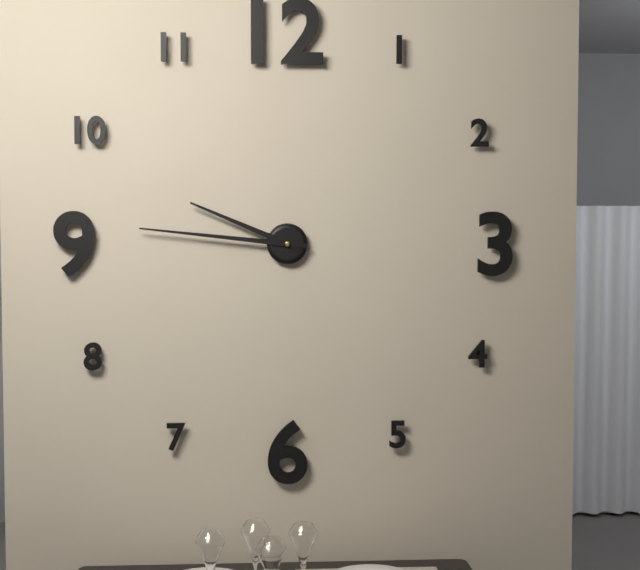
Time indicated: 9:46
